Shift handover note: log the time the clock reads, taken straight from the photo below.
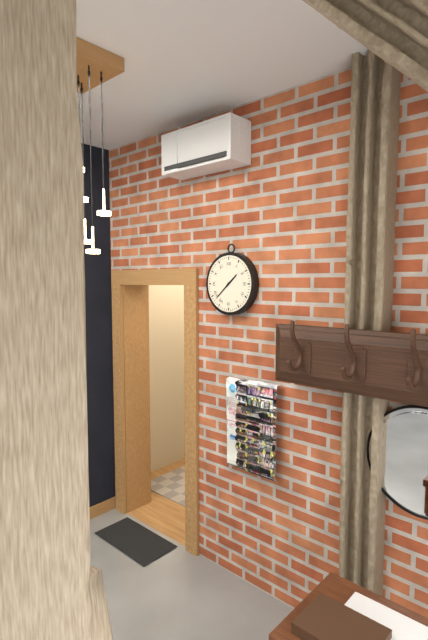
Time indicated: 1:38
